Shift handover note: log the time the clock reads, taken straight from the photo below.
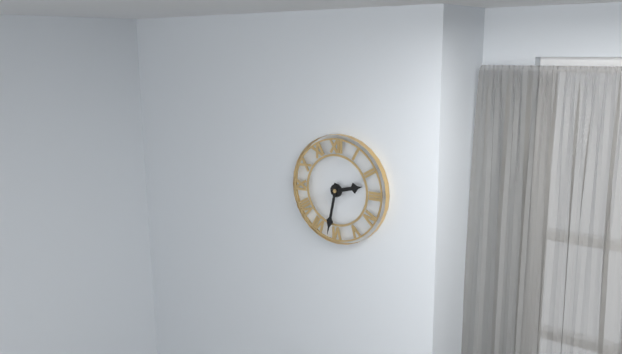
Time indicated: 2:32
